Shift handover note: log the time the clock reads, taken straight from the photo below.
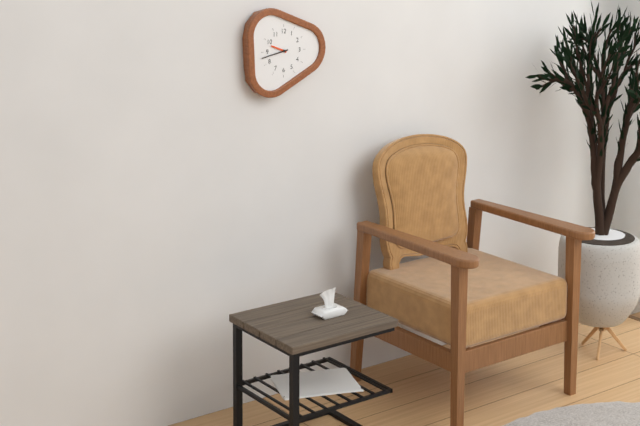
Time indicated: 9:43
